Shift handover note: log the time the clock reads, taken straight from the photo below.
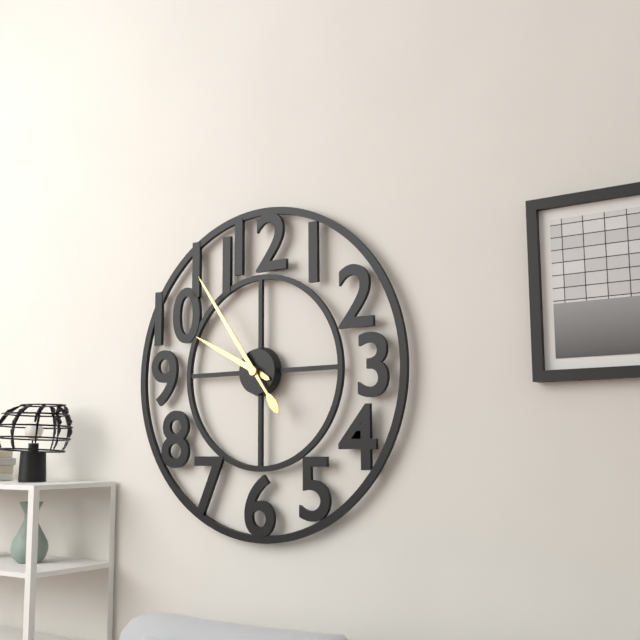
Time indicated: 9:54
